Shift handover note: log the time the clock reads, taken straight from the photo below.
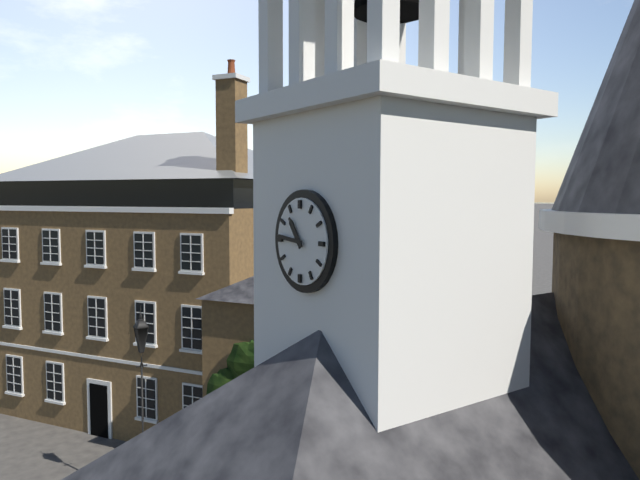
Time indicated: 10:46
